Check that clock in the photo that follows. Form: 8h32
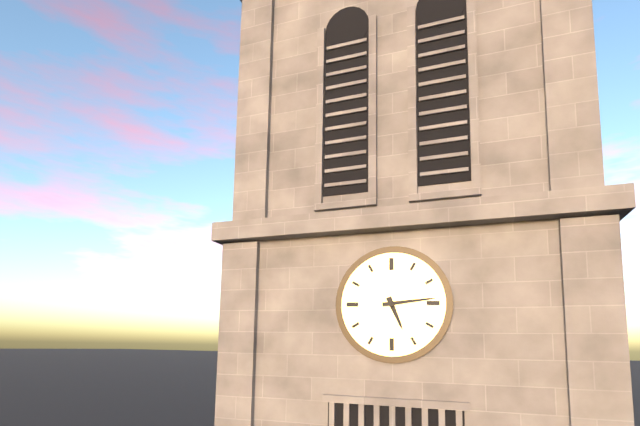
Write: 5h14
